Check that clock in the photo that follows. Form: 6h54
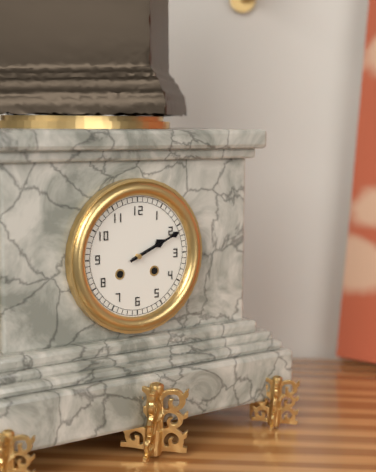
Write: 2h11
